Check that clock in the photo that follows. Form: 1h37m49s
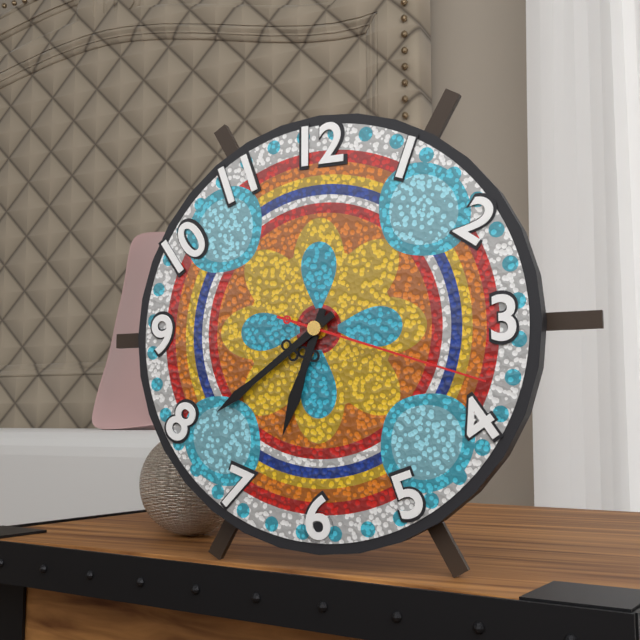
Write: 6h39m18s
